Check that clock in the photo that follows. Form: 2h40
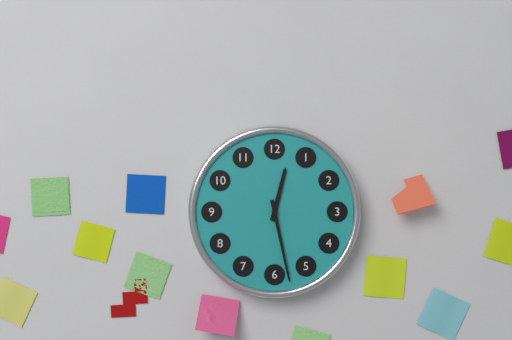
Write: 12h28
